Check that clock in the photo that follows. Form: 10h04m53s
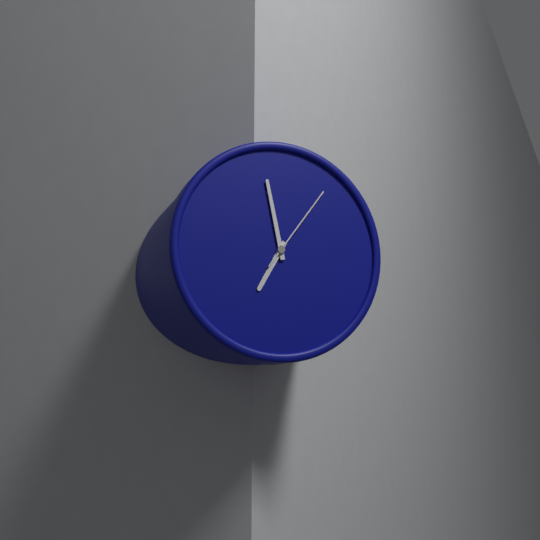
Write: 6h58m06s
